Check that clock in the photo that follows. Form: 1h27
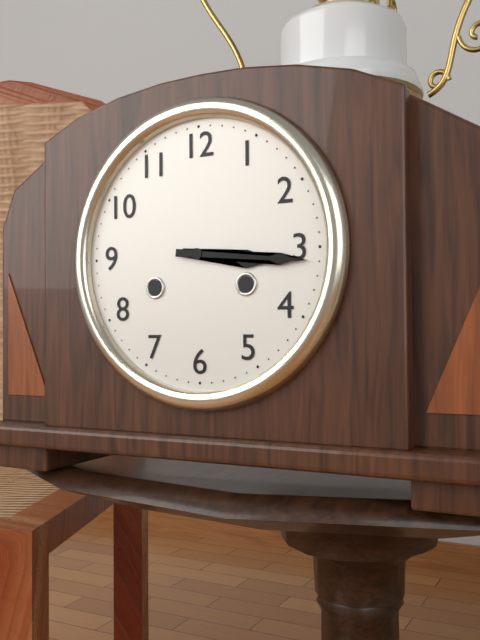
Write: 3h16
